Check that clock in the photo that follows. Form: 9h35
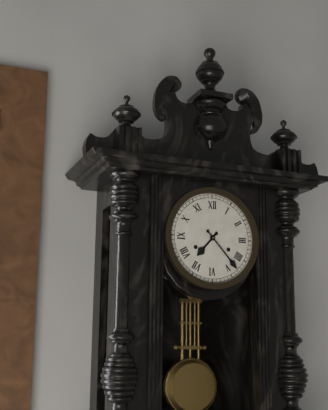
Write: 7h23
